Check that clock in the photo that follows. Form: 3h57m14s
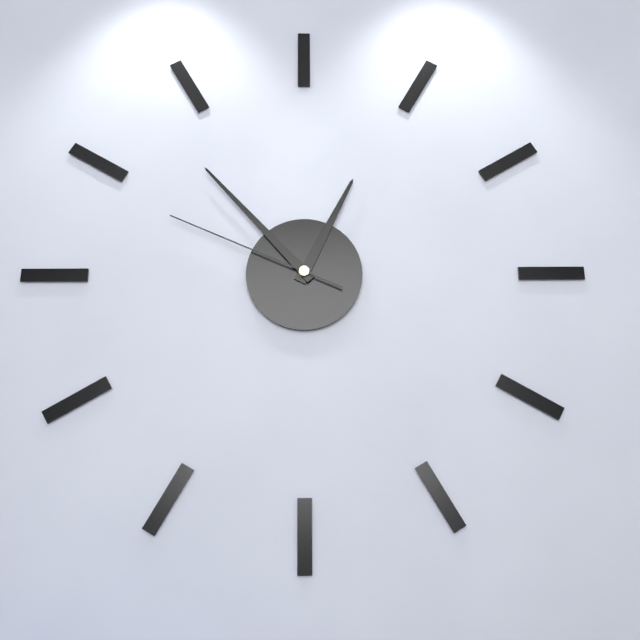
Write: 12h53m49s
